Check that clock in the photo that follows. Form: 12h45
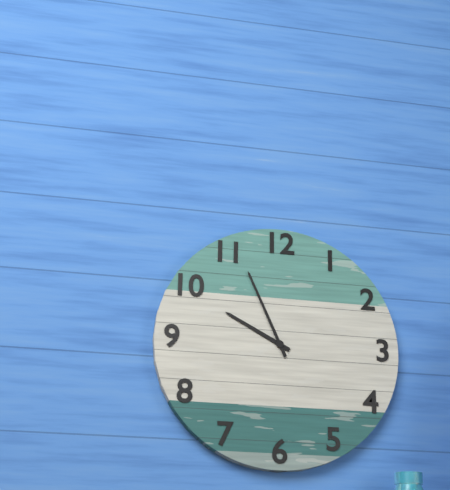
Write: 9h56
